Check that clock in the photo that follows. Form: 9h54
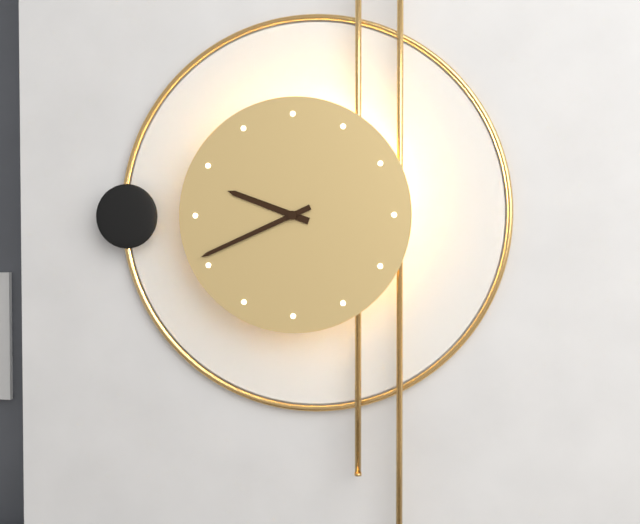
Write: 9h41
